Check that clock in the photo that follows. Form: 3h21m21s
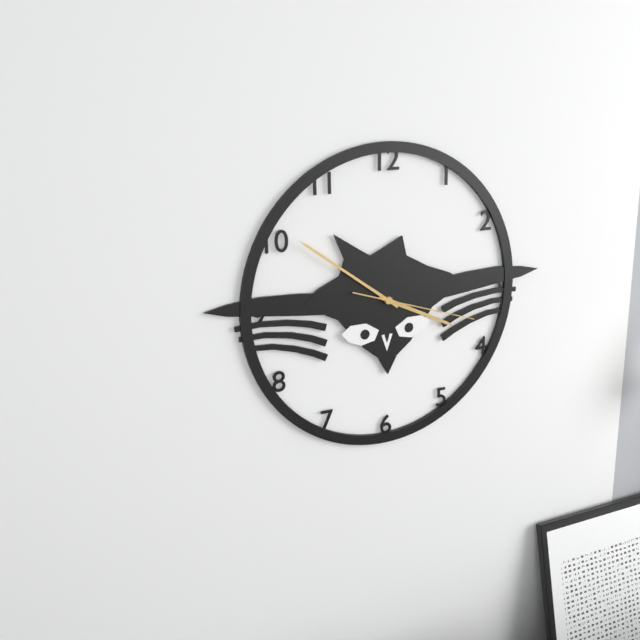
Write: 3h51m18s
